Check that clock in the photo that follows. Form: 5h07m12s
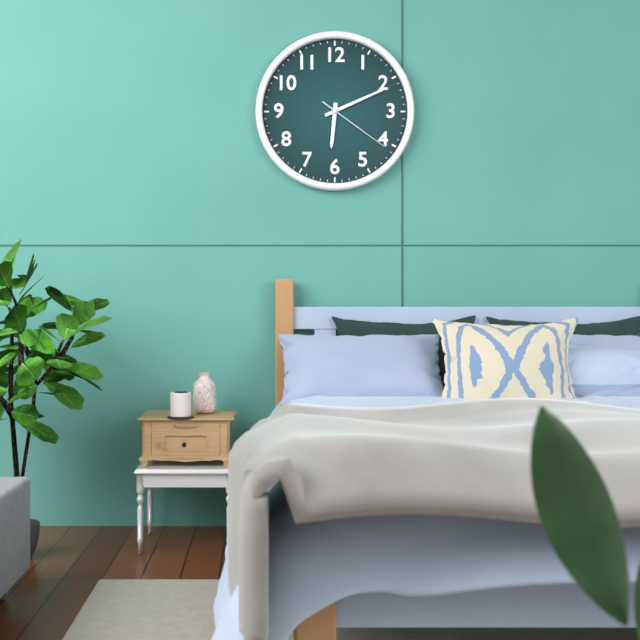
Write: 6h11m21s
